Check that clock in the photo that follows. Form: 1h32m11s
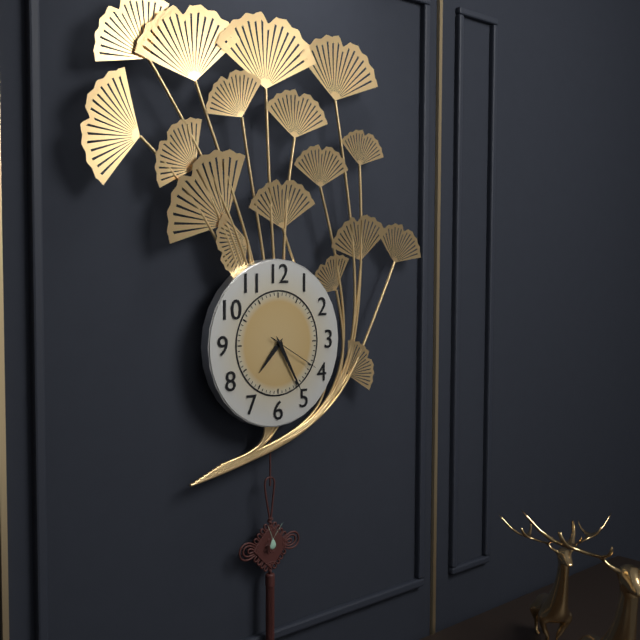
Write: 7h25m20s
